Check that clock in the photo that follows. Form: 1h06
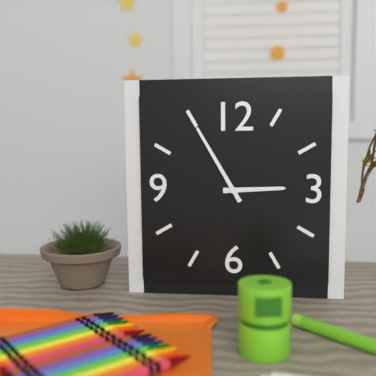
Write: 2h55
